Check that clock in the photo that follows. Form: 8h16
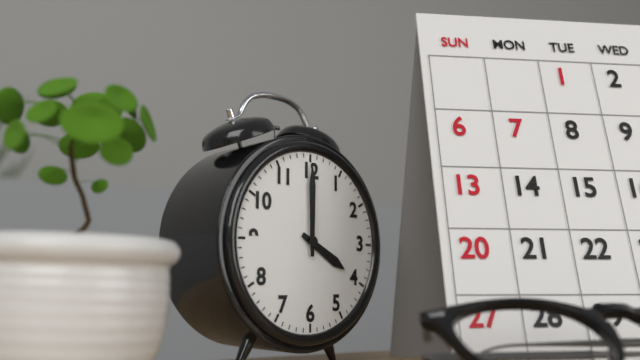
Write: 4h00
